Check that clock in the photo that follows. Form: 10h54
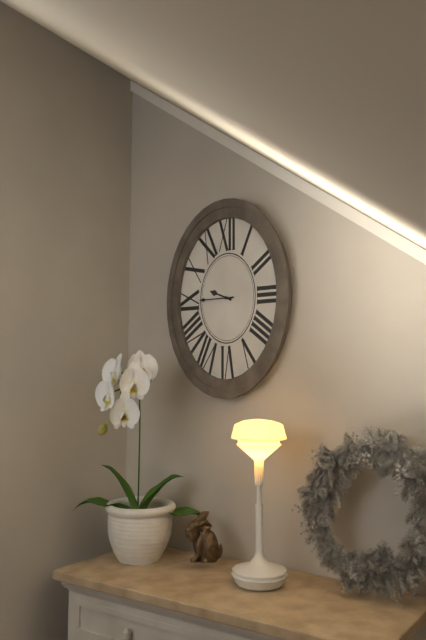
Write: 9h45
